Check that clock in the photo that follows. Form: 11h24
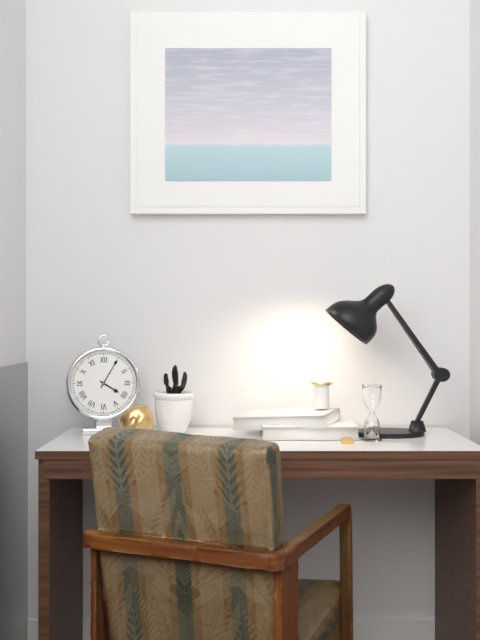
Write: 4h05
